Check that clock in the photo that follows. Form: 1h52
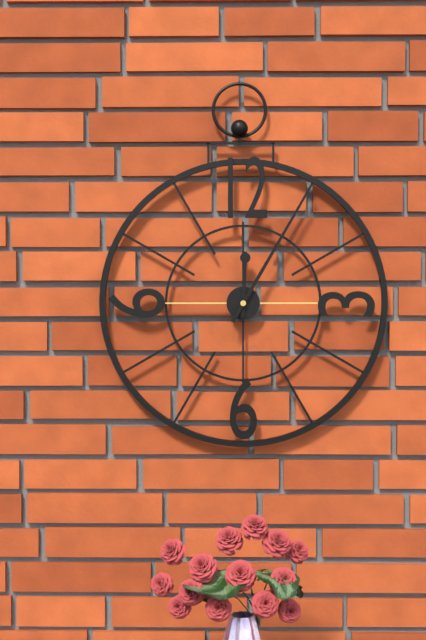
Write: 12h05
